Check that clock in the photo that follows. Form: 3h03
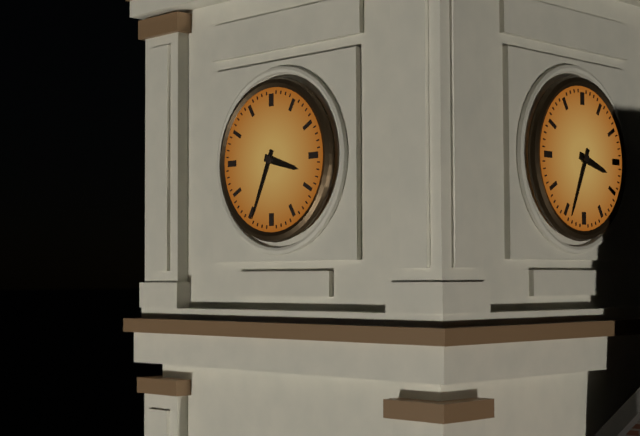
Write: 3h34
